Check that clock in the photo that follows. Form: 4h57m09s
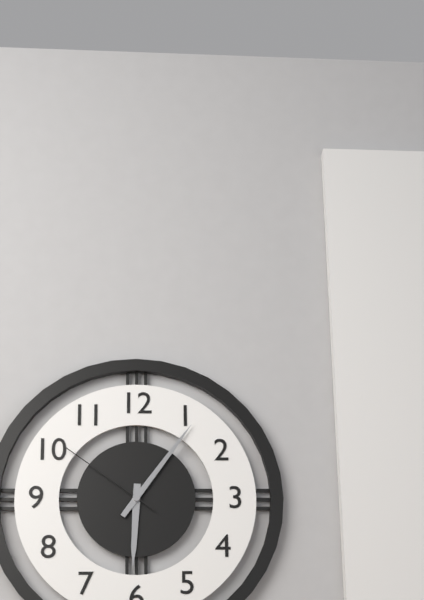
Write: 6h06m51s
